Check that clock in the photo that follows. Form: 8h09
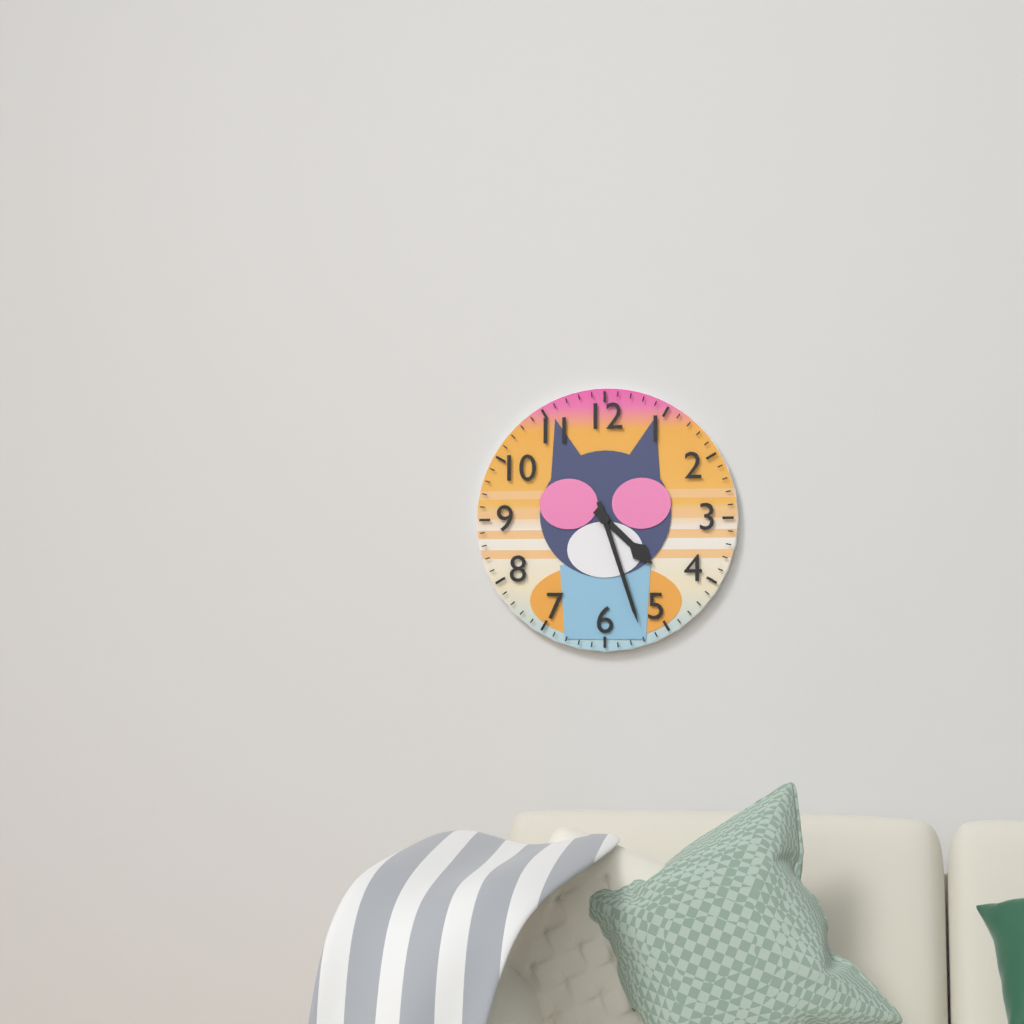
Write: 4h27
